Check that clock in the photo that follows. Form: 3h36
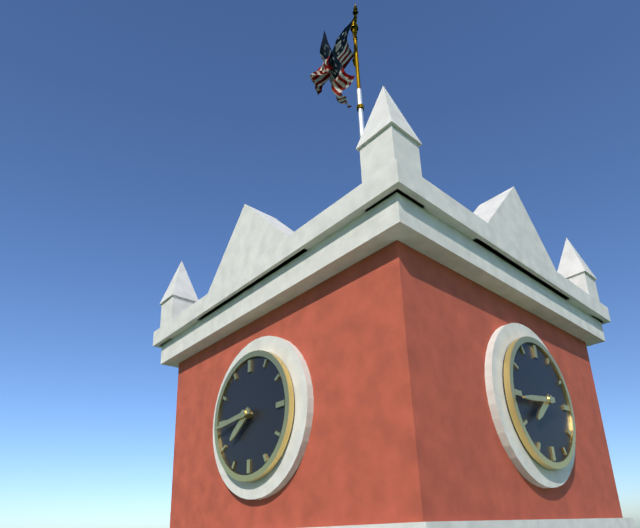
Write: 7h44
